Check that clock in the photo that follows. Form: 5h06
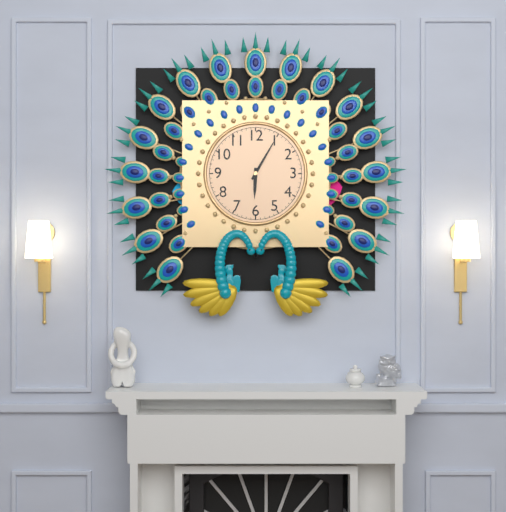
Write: 6h05
